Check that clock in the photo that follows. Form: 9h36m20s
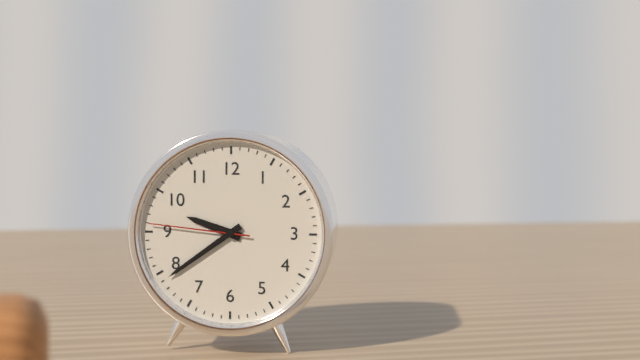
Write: 9h39m46s
